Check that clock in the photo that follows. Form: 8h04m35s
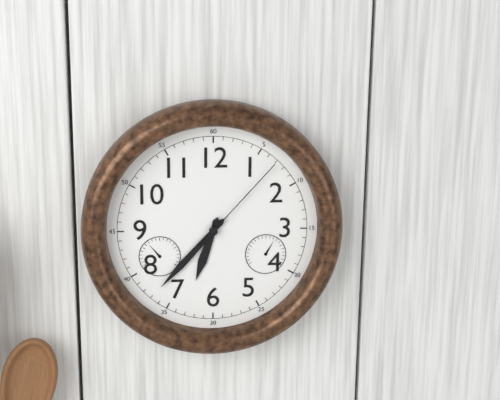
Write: 6h37m07s
